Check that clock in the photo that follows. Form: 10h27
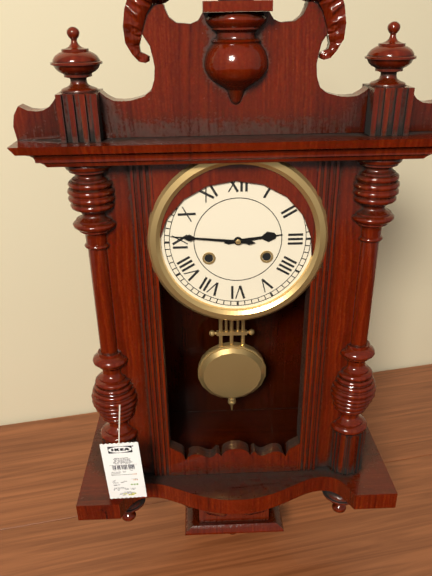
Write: 2h46
